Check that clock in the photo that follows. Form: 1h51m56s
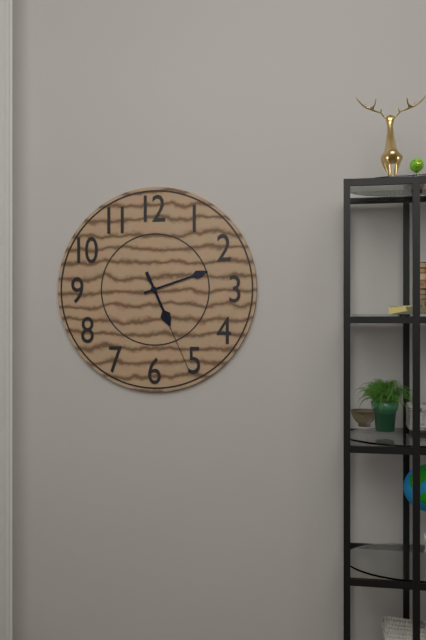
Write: 5h12m26s
